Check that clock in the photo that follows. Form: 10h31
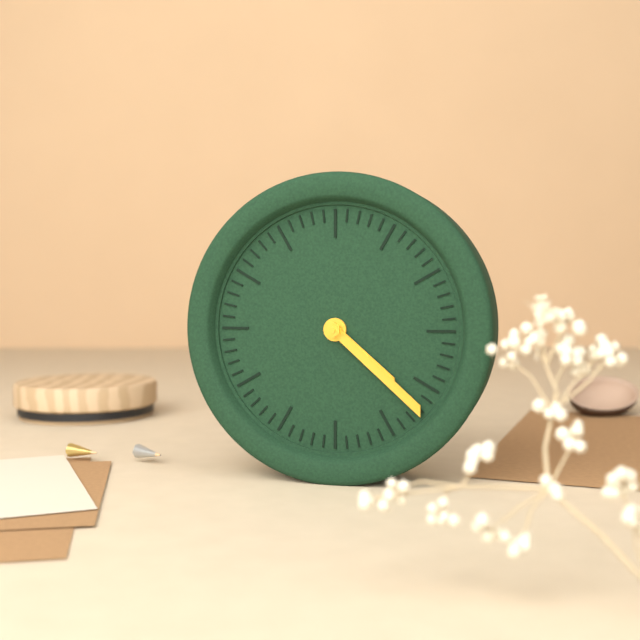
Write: 4h22
